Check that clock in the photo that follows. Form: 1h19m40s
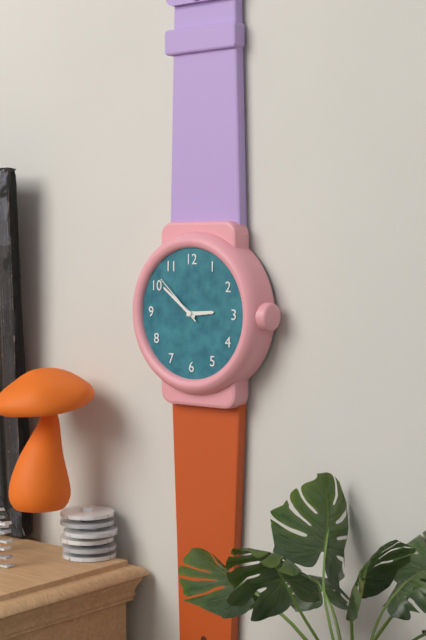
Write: 2h51m52s
